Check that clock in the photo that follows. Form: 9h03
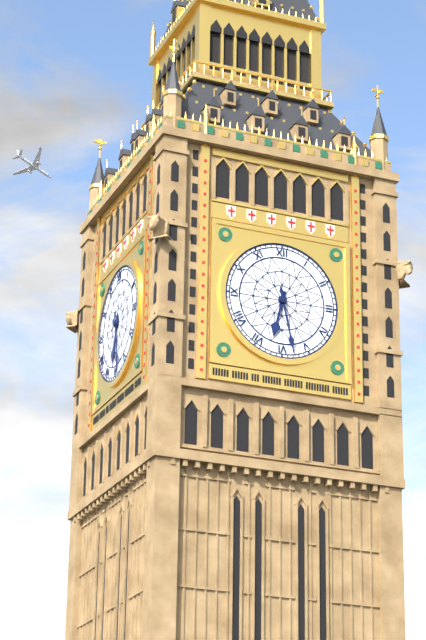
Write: 6h28
